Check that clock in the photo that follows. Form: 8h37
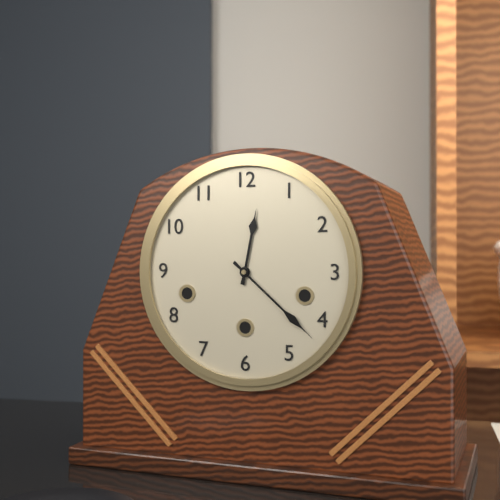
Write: 12h22
